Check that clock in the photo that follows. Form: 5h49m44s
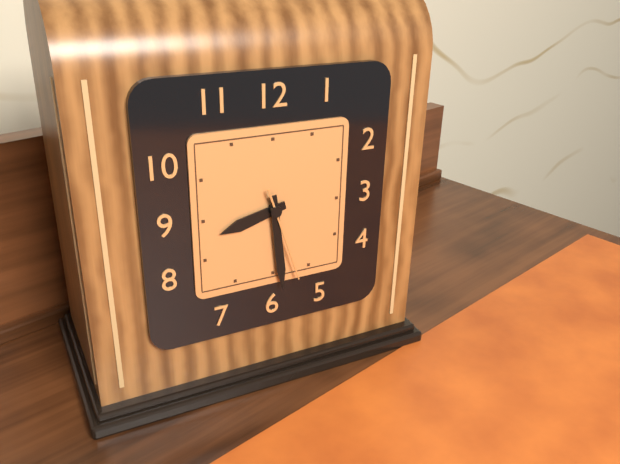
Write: 8h29m27s
